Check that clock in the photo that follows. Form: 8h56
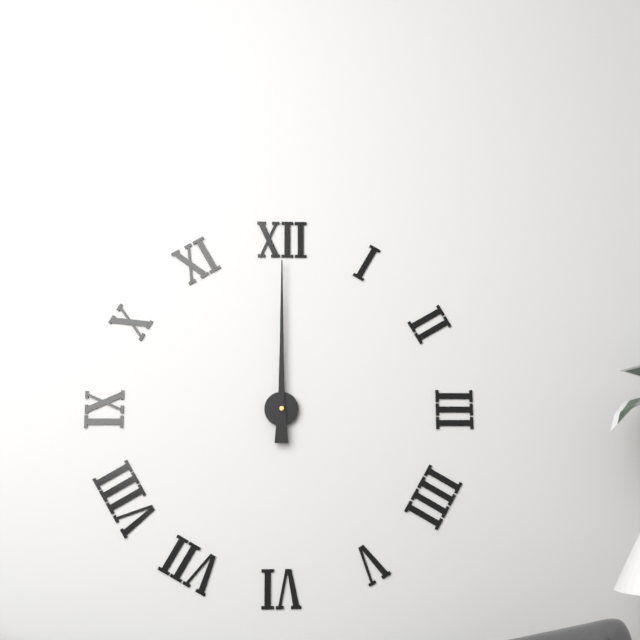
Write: 12h00
